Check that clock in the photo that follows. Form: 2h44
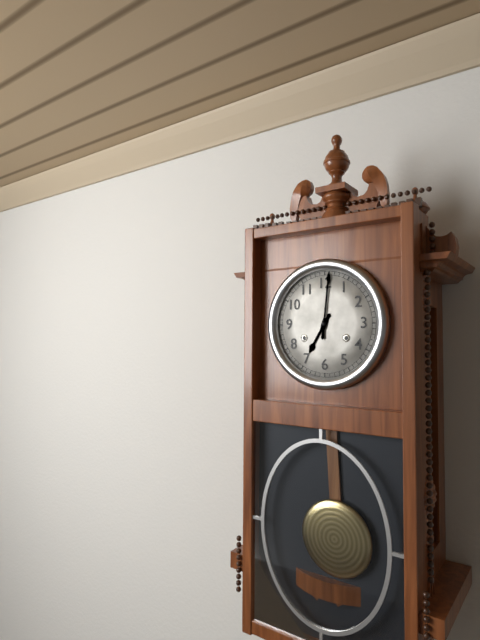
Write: 7h01
